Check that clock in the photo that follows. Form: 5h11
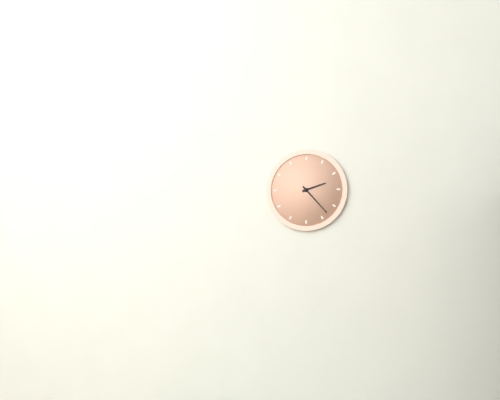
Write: 2h23
